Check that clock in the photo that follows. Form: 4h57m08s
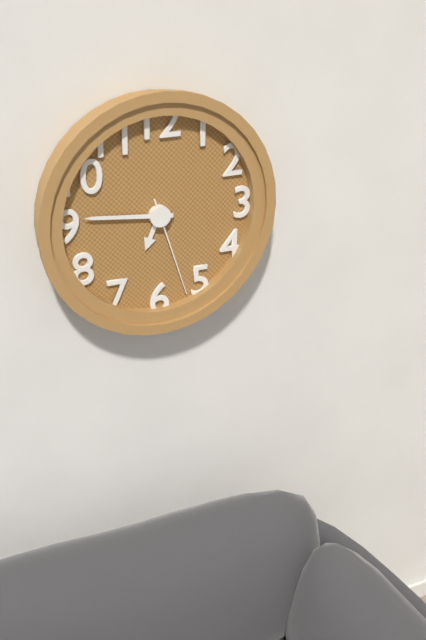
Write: 6h46m27s
